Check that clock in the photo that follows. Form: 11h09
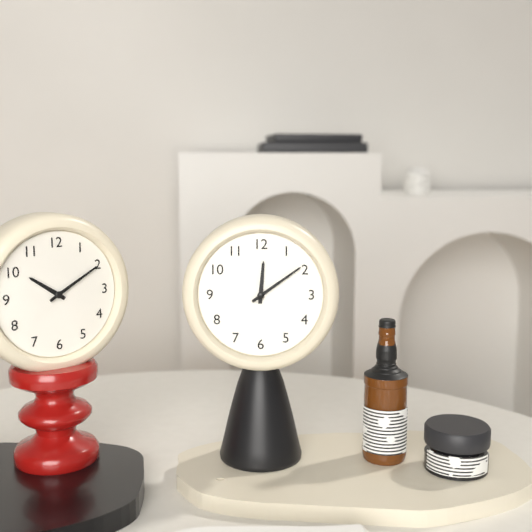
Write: 12h09
